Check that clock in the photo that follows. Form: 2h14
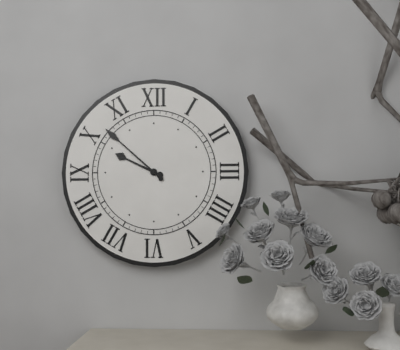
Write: 9h52
